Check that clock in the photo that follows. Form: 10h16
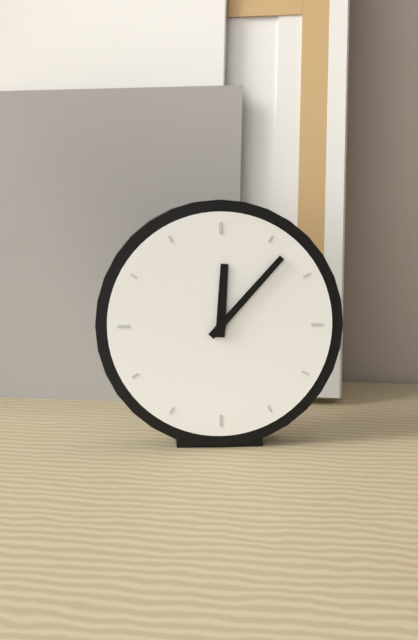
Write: 12h07
